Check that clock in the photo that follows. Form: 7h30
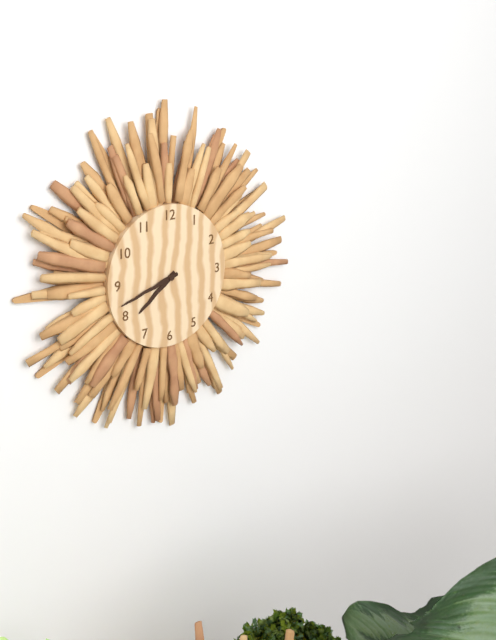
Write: 7h42
